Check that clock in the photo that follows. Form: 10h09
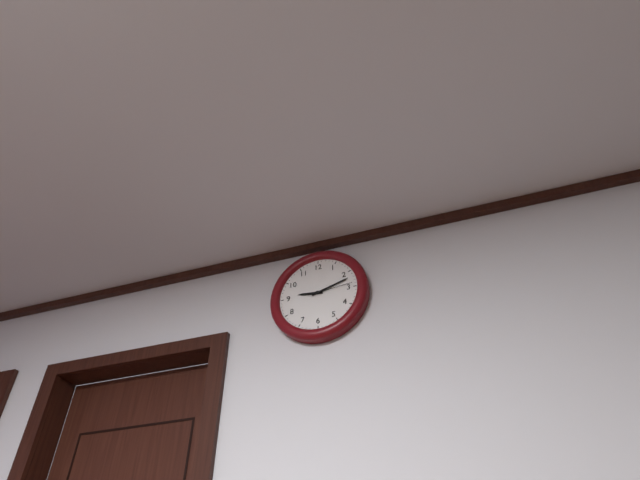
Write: 9h12
